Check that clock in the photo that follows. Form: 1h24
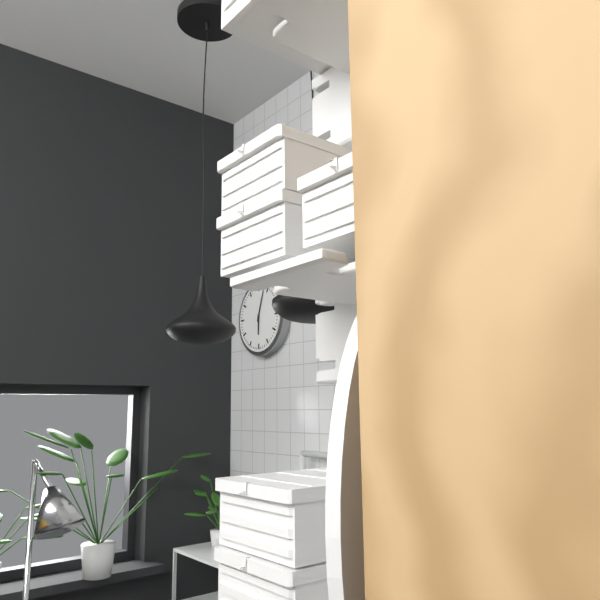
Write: 6h03
